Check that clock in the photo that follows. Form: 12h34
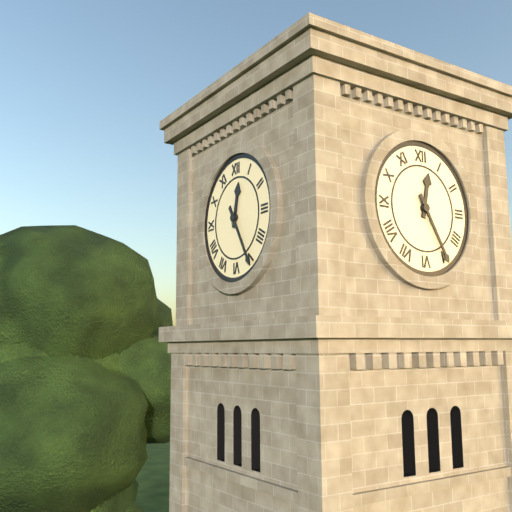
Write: 12h25
